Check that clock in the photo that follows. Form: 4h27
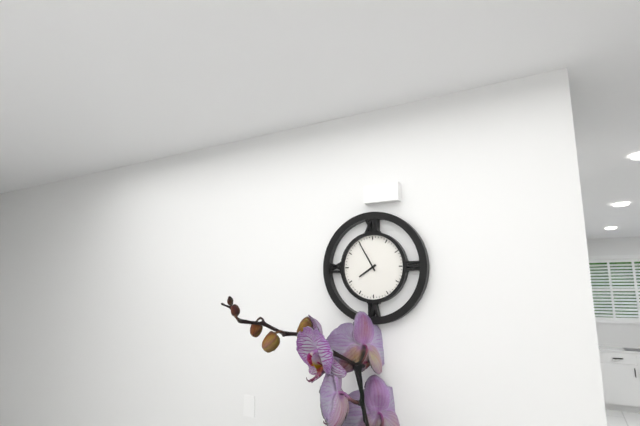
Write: 7h55
